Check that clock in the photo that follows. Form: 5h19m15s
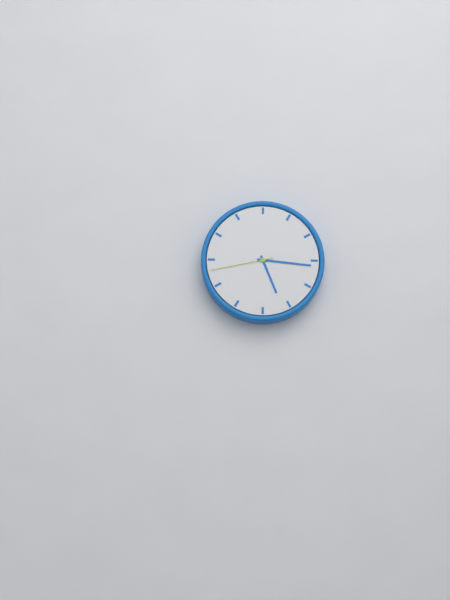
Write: 5h16m43s
